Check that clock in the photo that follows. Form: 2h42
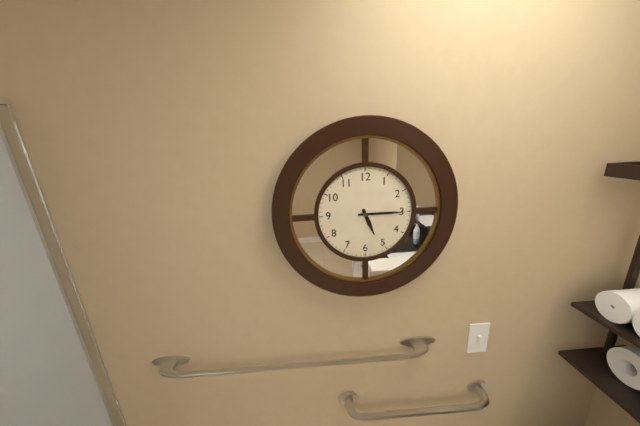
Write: 5h15
